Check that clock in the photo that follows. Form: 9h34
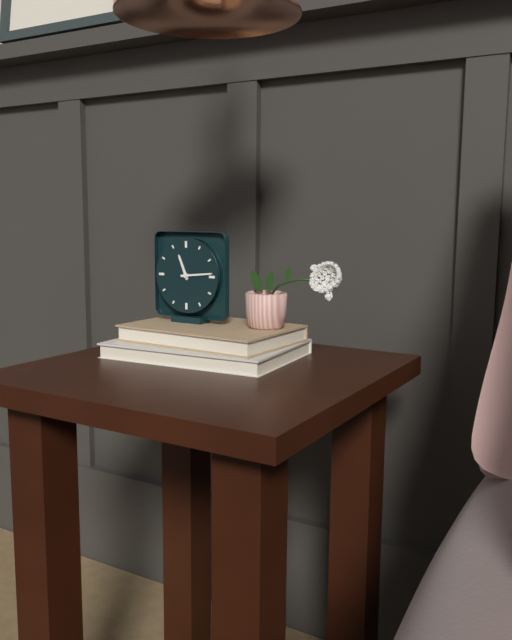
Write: 11h14
